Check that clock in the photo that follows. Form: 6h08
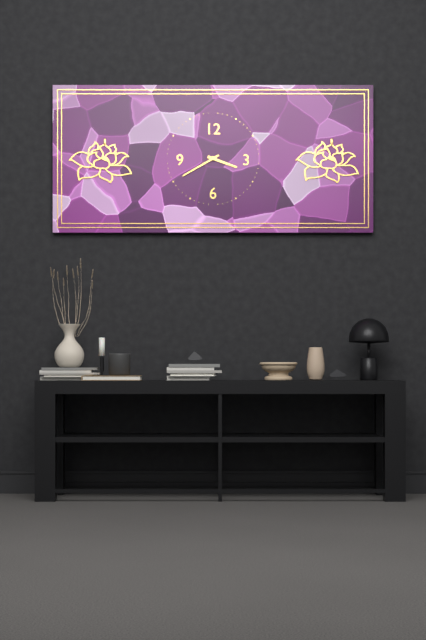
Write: 3h40
